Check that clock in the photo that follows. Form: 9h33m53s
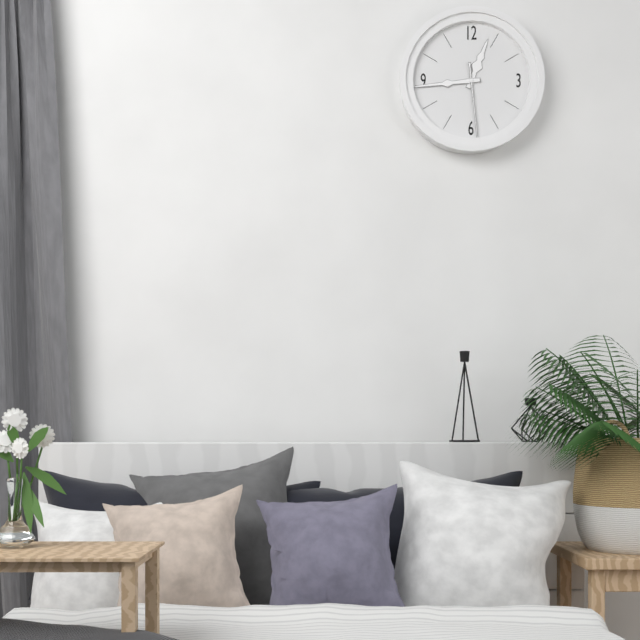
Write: 12h44m29s
